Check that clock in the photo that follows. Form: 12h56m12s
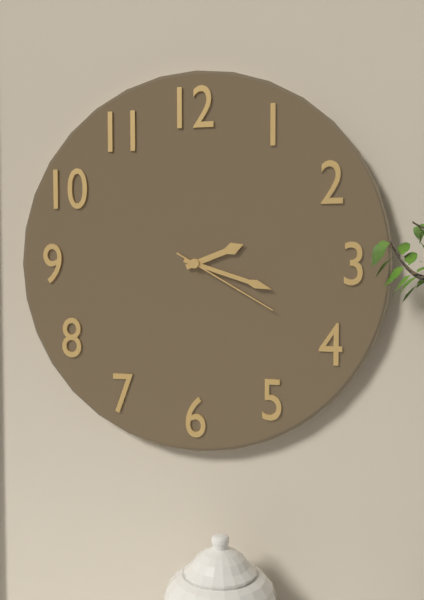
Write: 2h18m20s
